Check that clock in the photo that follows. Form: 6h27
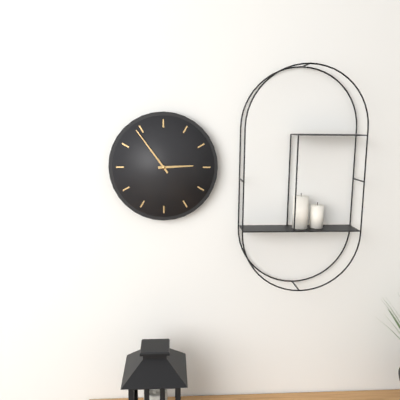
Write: 2h54
